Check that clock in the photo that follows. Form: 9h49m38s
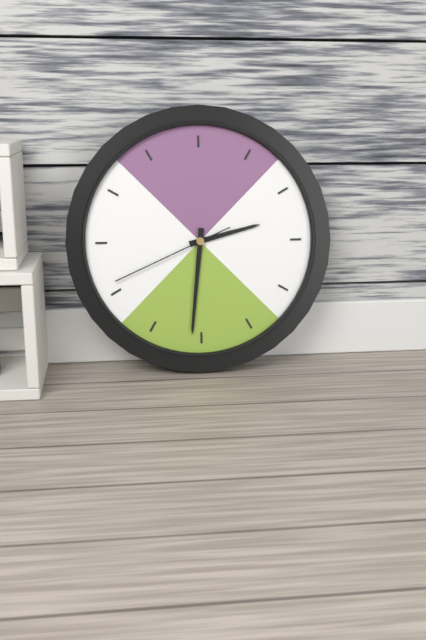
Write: 2h31m41s
